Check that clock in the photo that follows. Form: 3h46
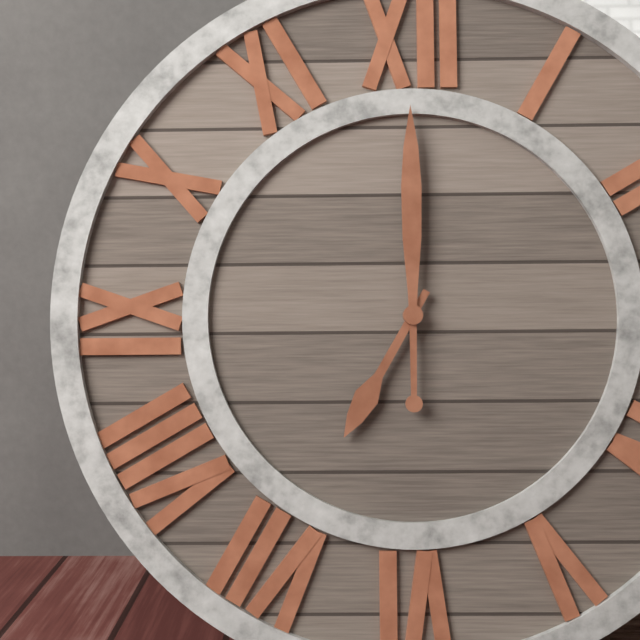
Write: 7h00
